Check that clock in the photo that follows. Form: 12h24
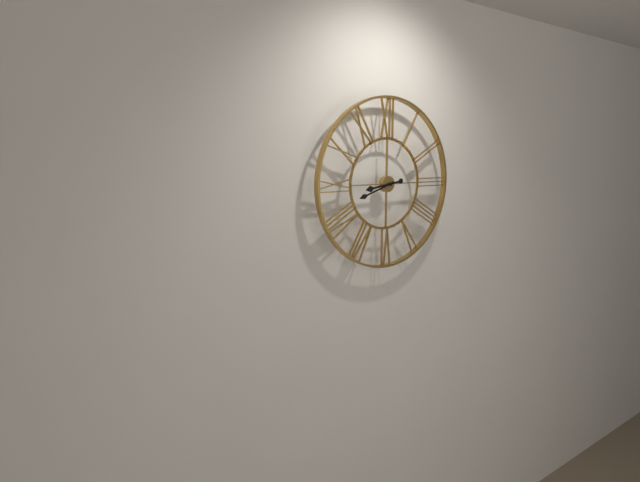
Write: 8h42
